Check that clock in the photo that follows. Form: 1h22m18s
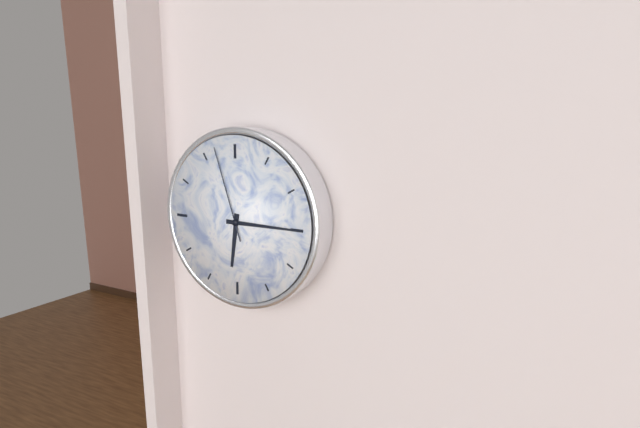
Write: 6h15m57s
